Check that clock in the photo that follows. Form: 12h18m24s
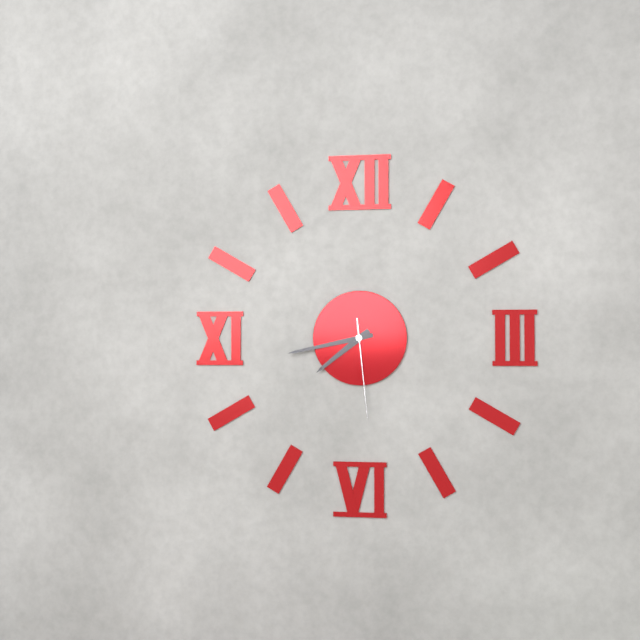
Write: 7h43m29s
